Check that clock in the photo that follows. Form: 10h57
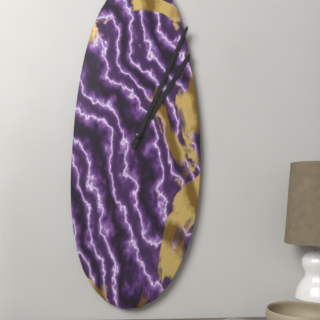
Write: 1h04
